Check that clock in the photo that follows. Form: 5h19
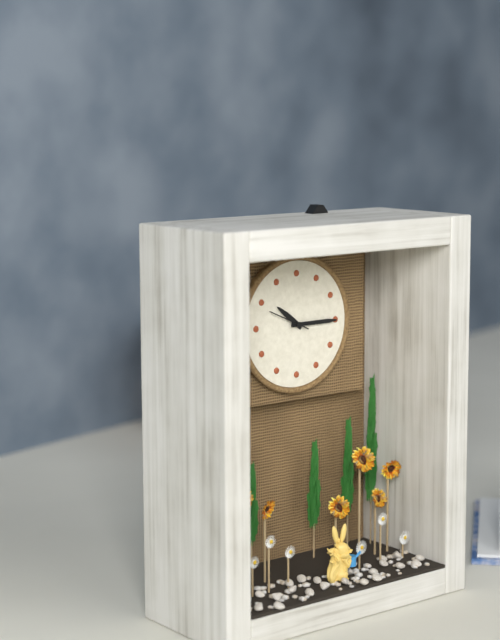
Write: 10h15
